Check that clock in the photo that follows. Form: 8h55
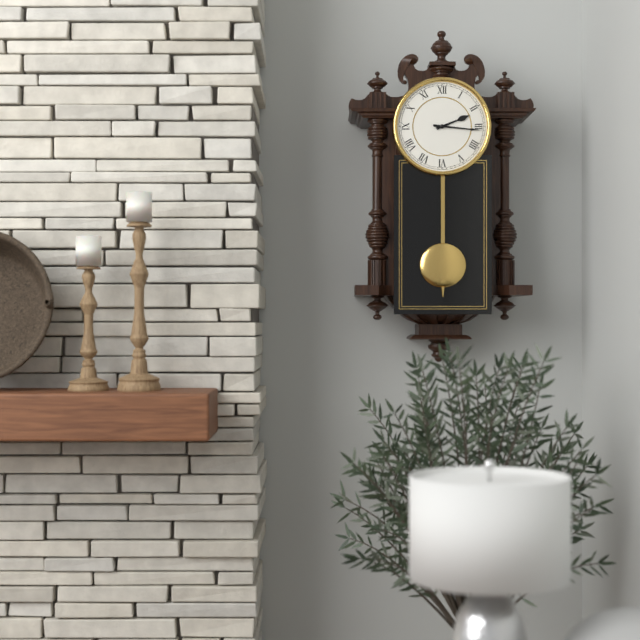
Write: 2h16
